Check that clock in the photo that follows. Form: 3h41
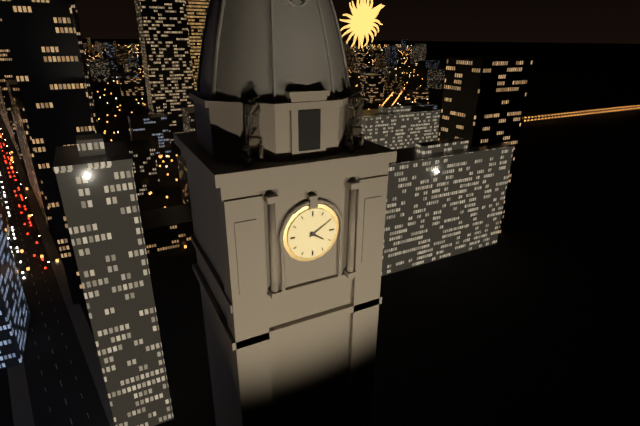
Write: 4h10
